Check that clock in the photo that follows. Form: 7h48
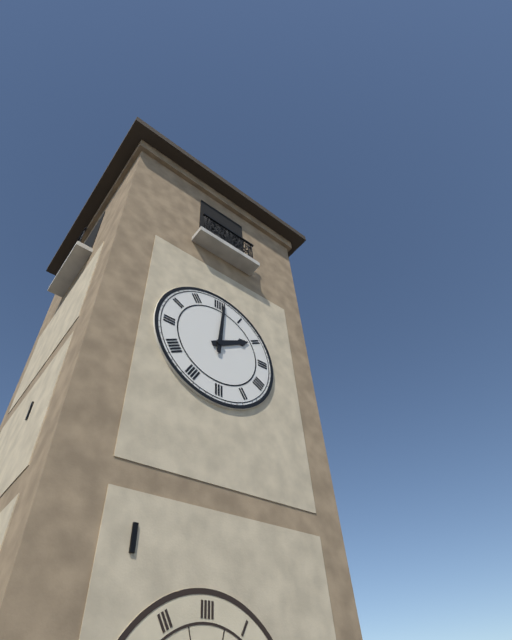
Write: 2h01
